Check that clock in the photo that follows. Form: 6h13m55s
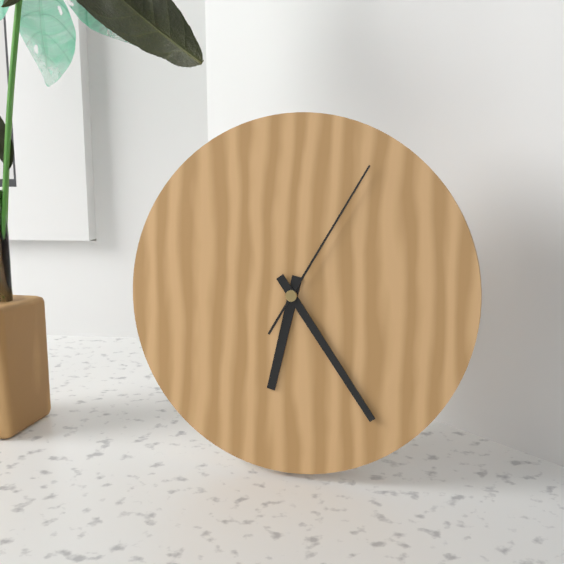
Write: 6h24m05s
